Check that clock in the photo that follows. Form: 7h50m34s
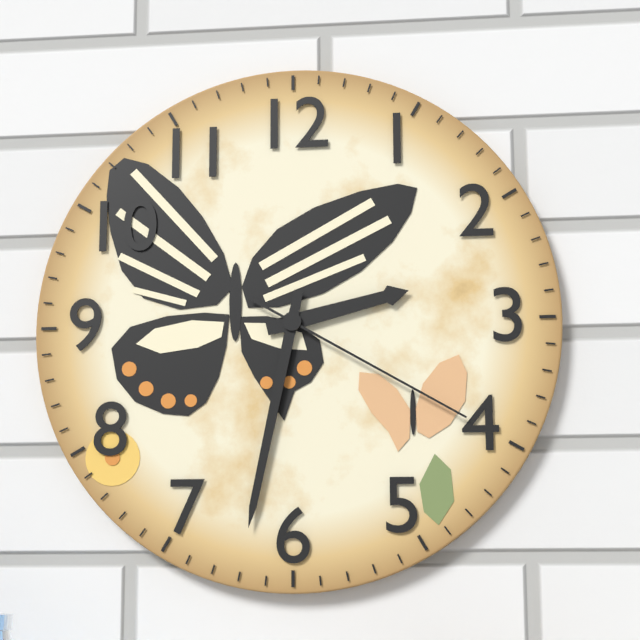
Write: 2h32m20s
